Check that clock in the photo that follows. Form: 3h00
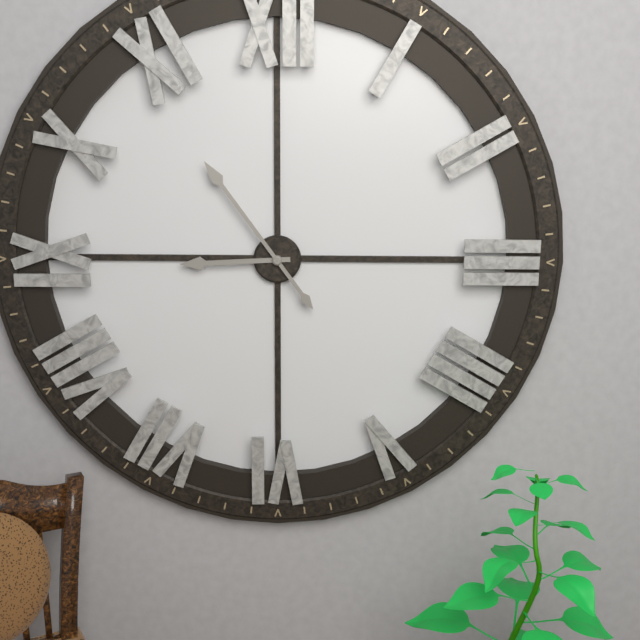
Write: 8h54
